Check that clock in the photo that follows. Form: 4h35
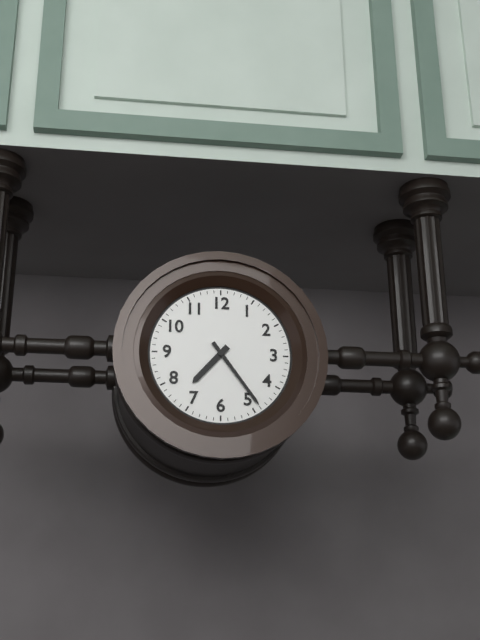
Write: 7h24
